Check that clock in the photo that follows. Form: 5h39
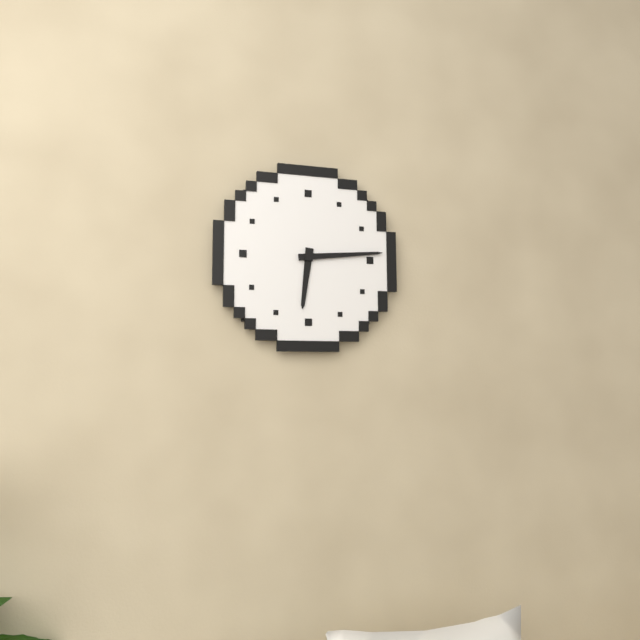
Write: 6h14
